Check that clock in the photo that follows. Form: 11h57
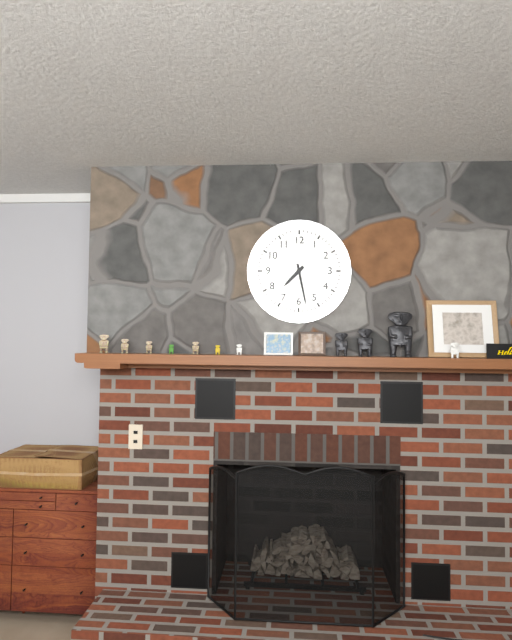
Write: 7h28
